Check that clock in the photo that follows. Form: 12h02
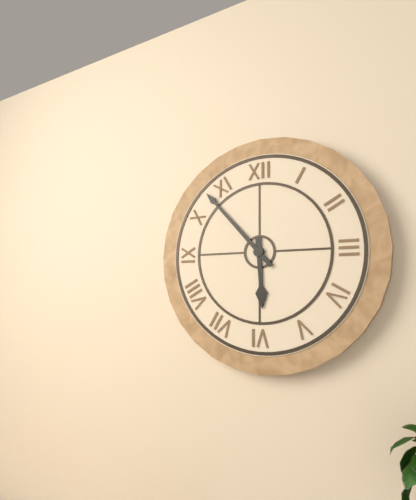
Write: 5h53
